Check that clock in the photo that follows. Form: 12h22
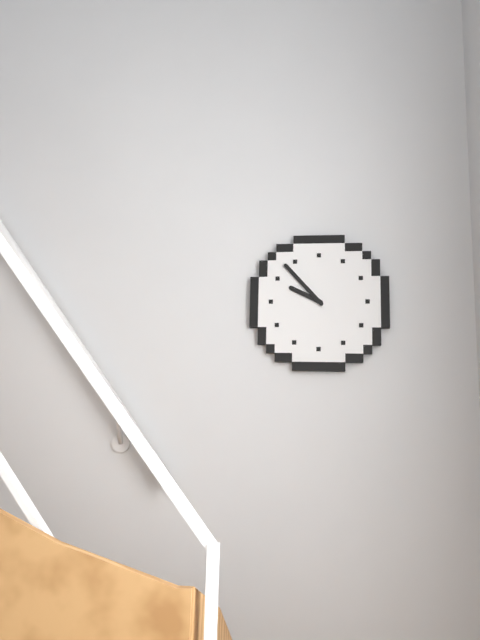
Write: 9h53
